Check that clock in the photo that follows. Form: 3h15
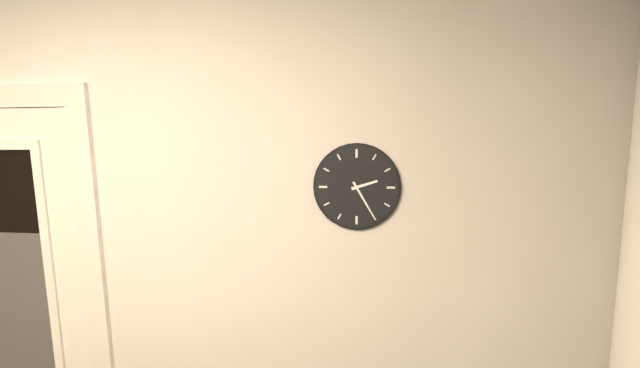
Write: 2h25
